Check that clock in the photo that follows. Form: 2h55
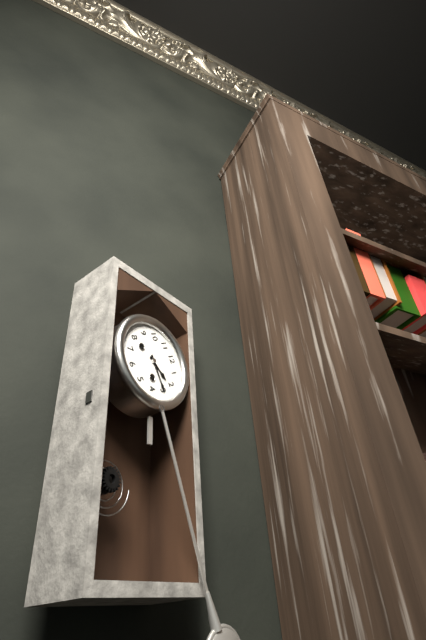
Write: 2h15
